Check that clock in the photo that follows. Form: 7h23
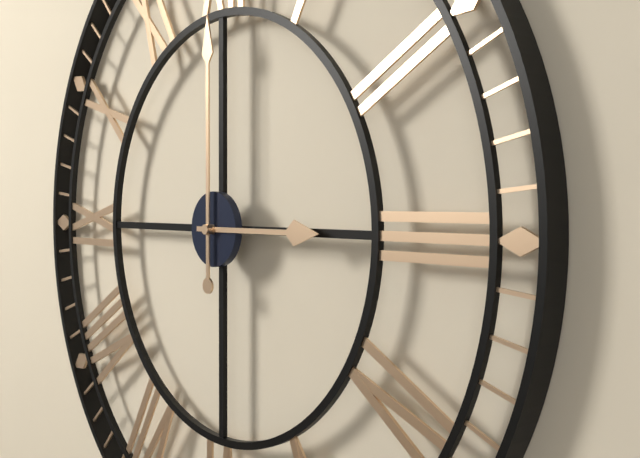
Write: 3h00
